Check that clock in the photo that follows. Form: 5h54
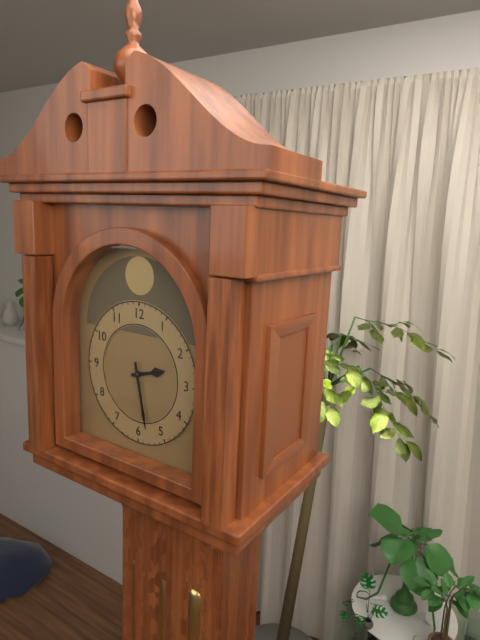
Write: 2h28
